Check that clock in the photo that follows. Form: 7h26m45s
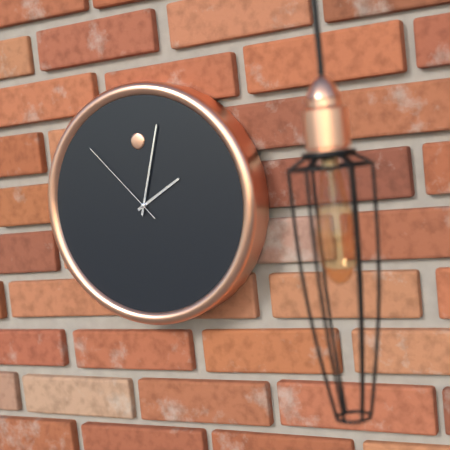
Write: 2h03m53s
